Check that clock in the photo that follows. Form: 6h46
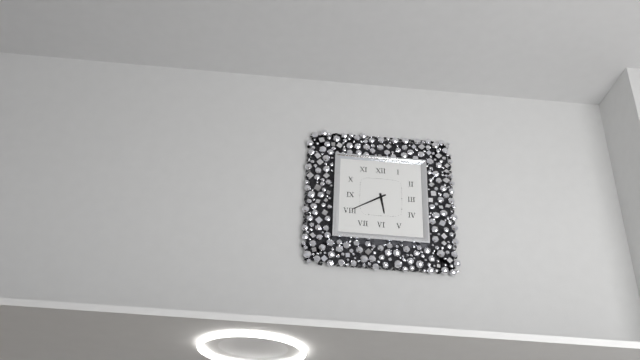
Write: 5h40
